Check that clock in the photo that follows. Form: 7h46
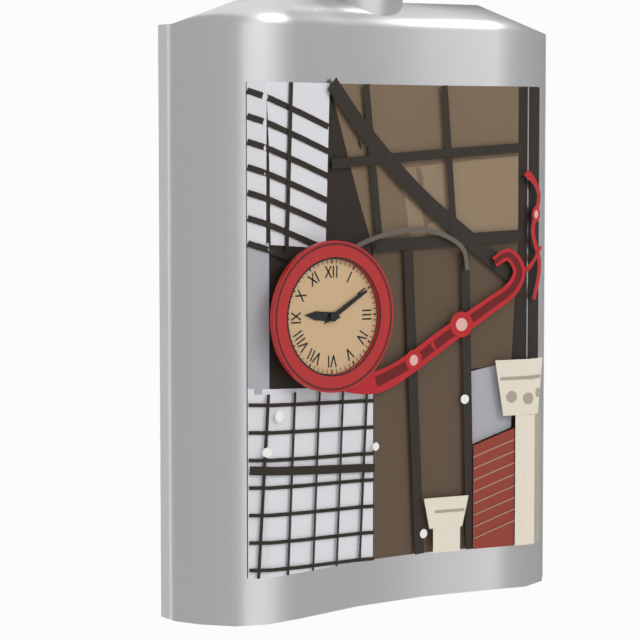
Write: 9h10
